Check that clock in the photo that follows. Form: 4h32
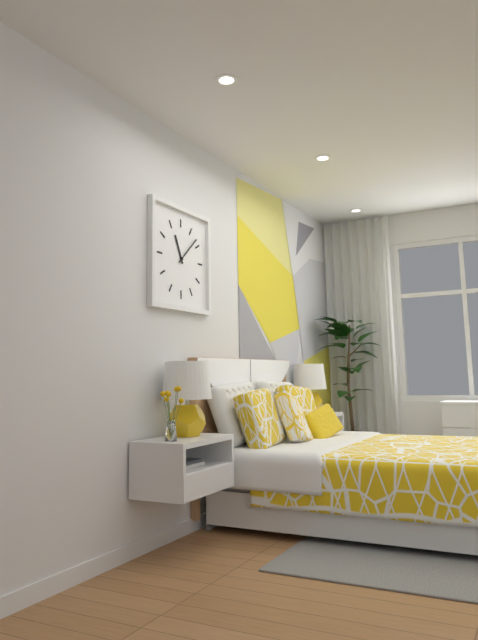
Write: 11h08
